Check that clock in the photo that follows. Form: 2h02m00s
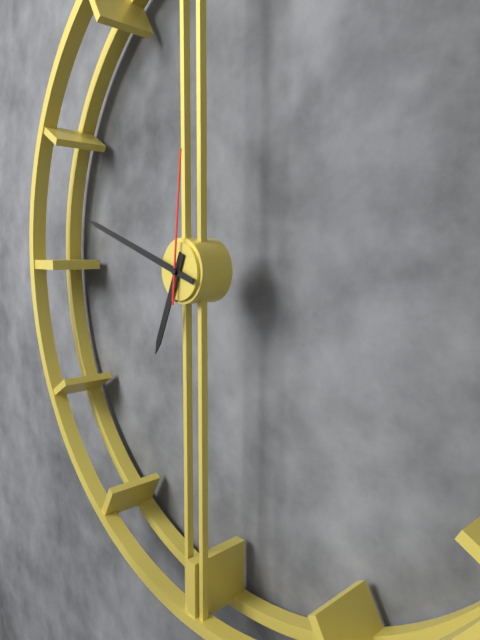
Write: 6h48m01s
